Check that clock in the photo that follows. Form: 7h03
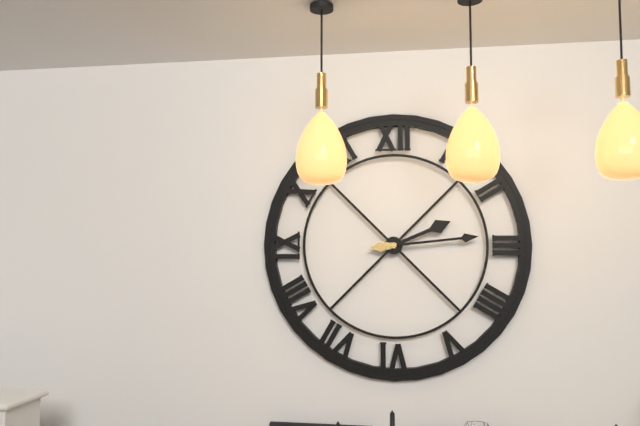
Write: 2h14
